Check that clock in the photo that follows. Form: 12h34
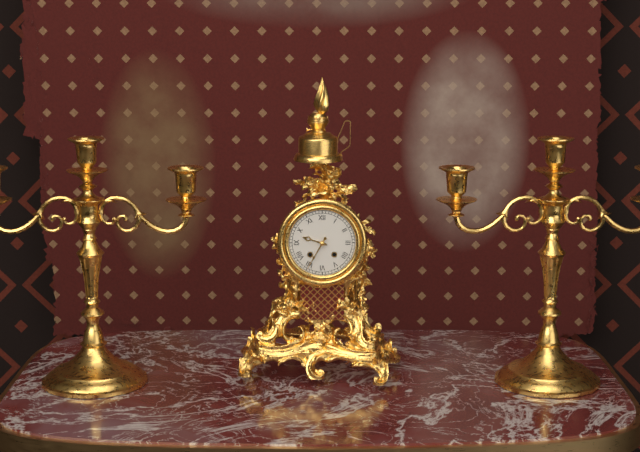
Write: 9h35
